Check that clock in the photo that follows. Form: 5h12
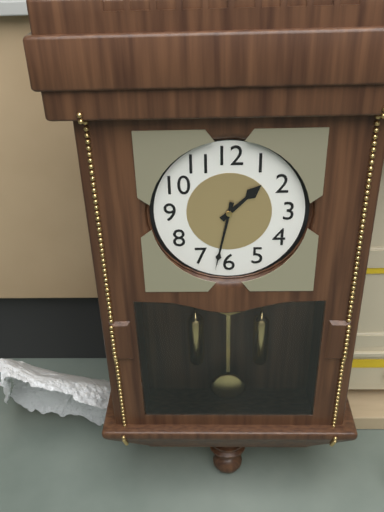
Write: 1h32
